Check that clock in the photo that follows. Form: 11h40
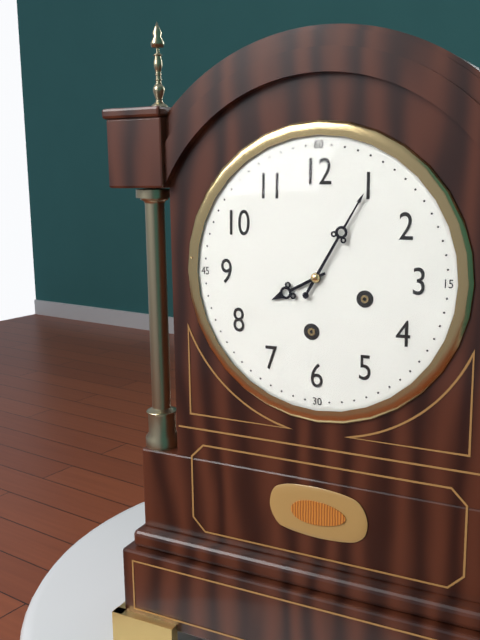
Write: 8h05
